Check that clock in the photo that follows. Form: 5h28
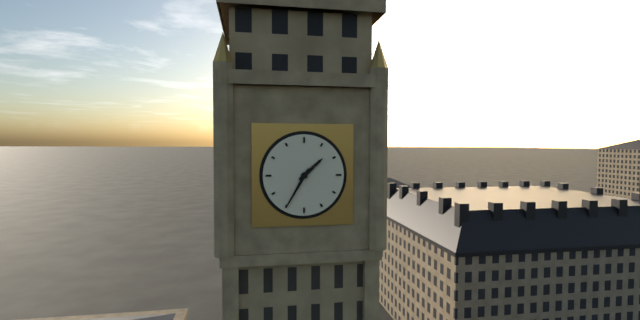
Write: 1h35
